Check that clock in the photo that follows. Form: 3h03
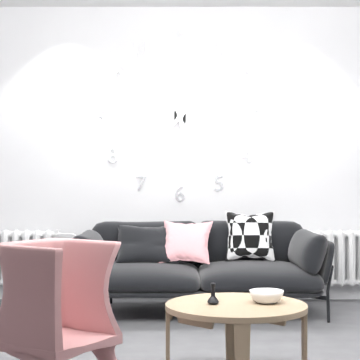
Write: 5h37
